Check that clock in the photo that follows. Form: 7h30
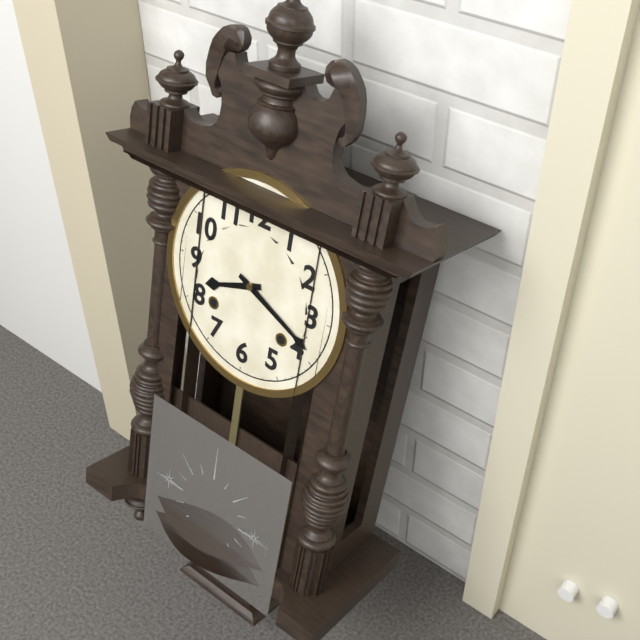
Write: 8h19
